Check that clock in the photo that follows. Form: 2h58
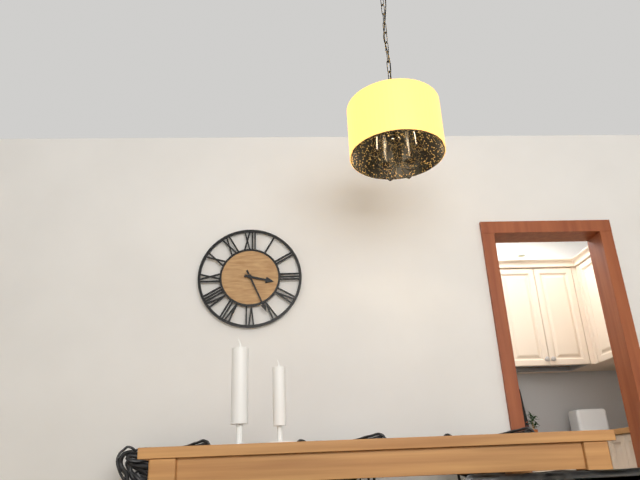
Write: 3h26
